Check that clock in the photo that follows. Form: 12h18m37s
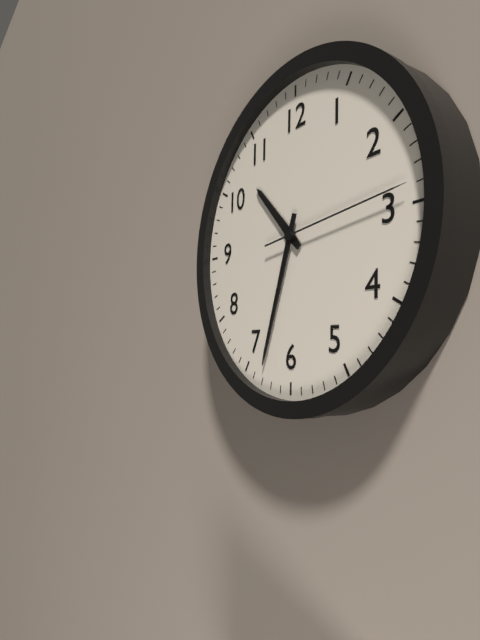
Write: 10h33m14s
